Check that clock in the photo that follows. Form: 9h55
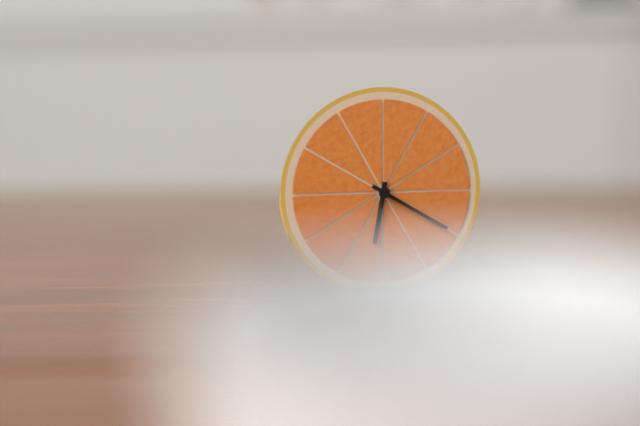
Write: 6h20
